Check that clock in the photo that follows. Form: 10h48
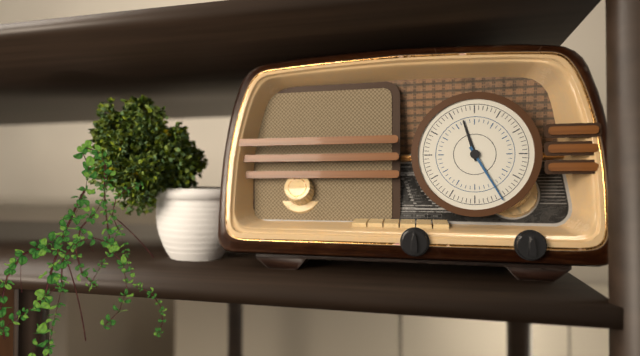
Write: 11h25
